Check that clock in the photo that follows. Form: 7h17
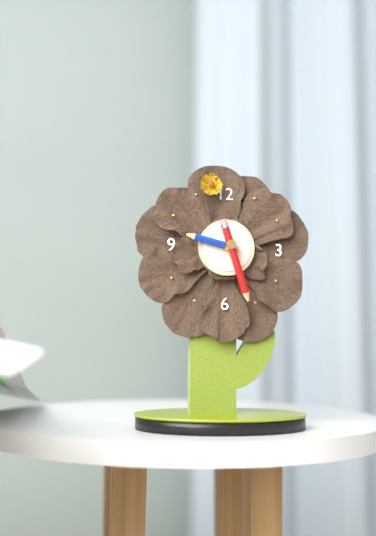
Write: 9h27
